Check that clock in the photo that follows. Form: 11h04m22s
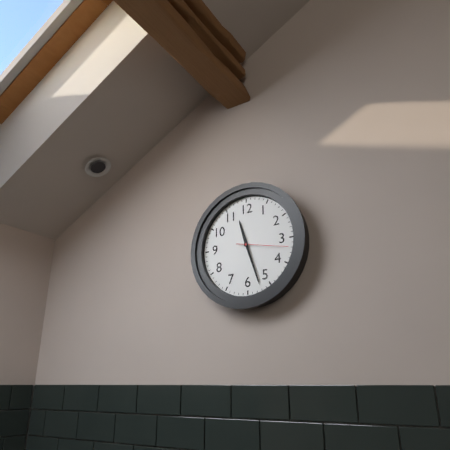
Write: 11h27m17s
